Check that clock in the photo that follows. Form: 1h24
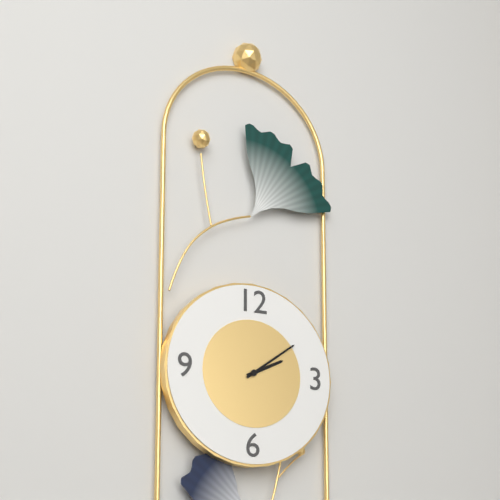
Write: 2h09
